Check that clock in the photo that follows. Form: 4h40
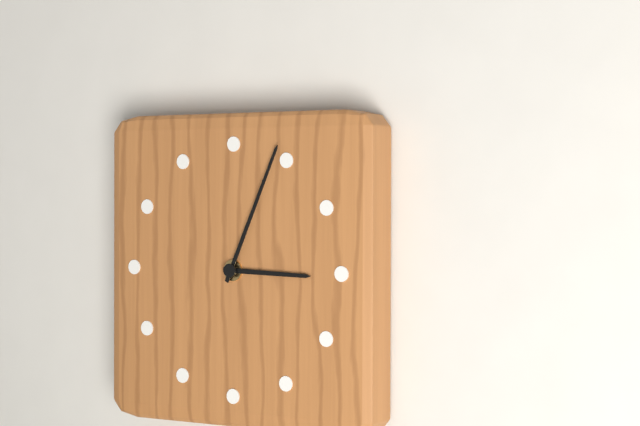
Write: 3h04
